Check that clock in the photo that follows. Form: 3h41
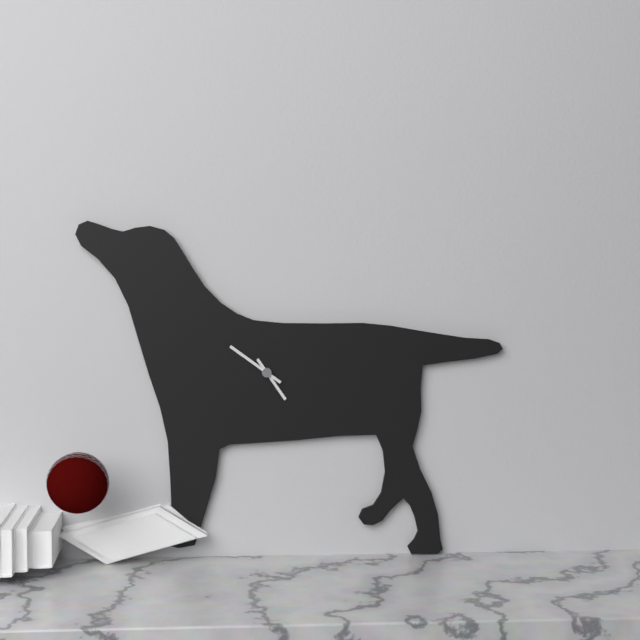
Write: 4h51
